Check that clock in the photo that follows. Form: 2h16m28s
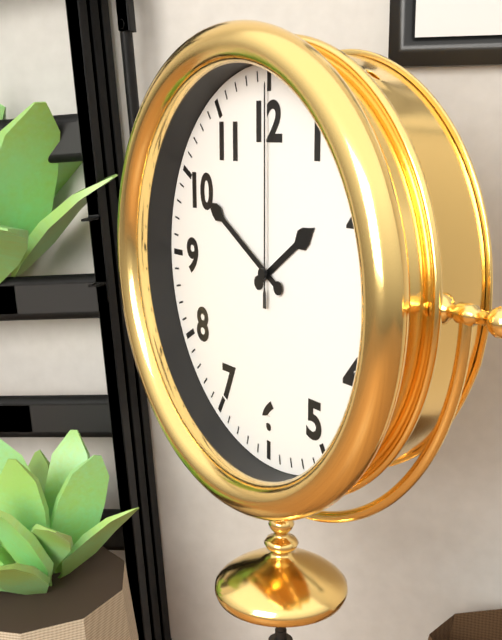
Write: 1h50m00s
